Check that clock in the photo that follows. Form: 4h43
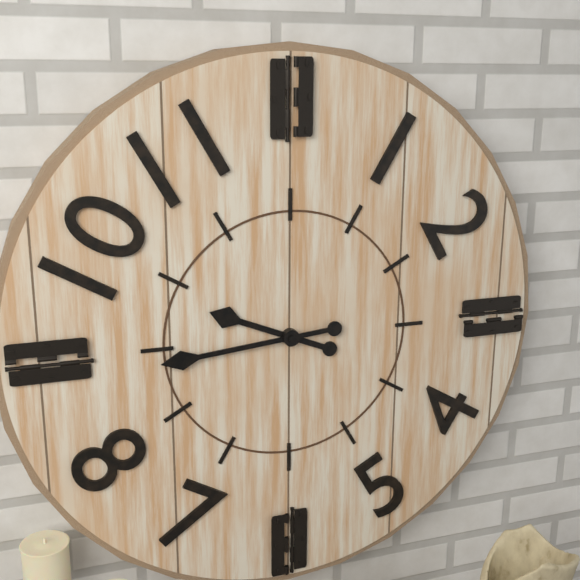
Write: 9h44
